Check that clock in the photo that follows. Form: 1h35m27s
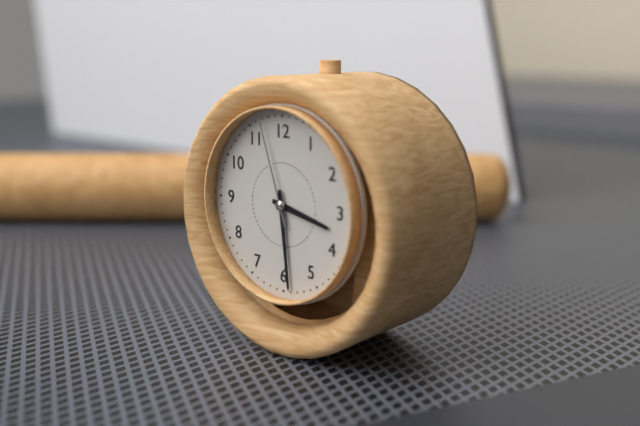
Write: 3h29m57s
